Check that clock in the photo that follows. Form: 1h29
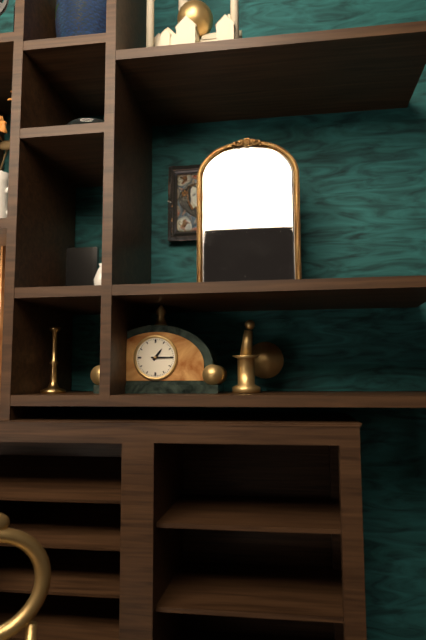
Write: 1h15
